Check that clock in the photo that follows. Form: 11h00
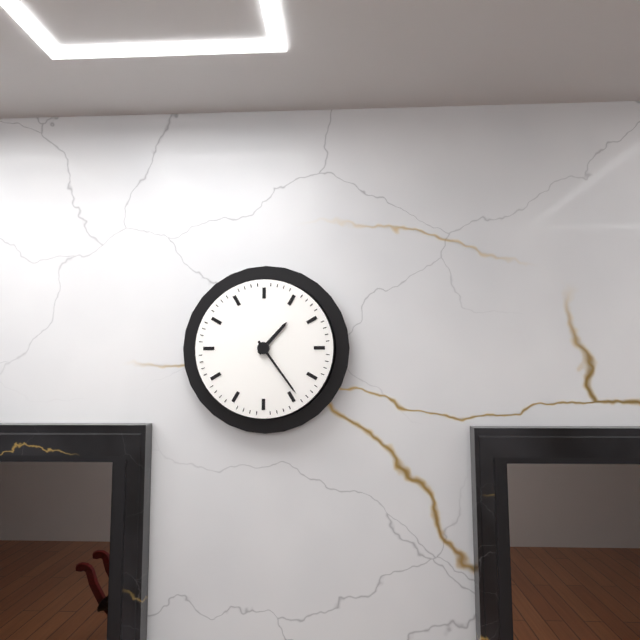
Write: 1h24
